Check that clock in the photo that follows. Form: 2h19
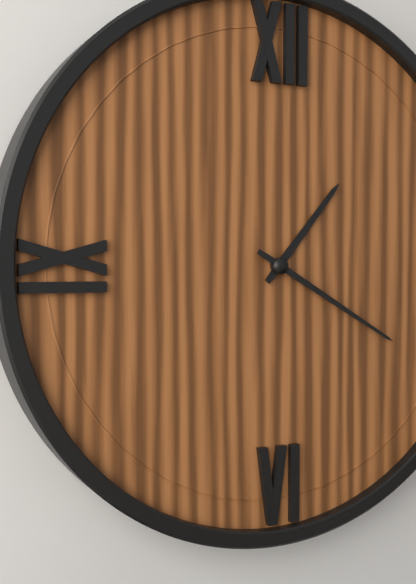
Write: 1h20
